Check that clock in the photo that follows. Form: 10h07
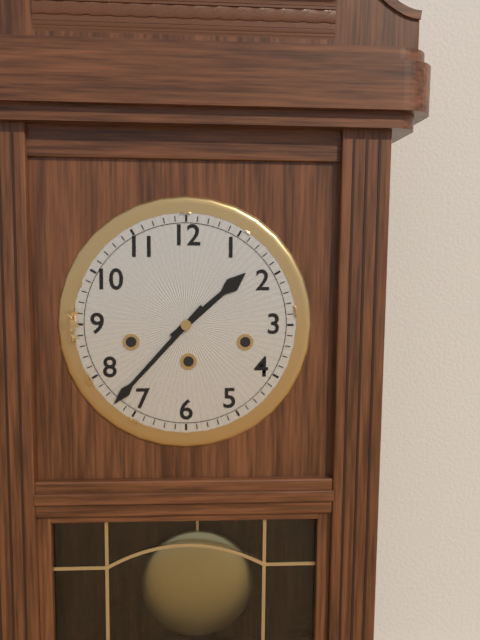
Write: 1h37
